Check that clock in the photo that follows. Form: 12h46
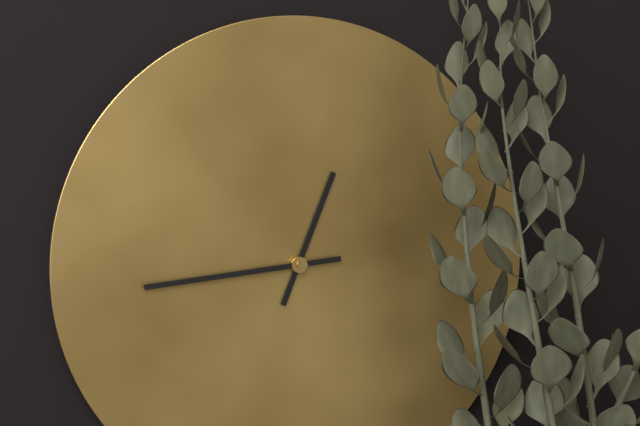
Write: 12h44
